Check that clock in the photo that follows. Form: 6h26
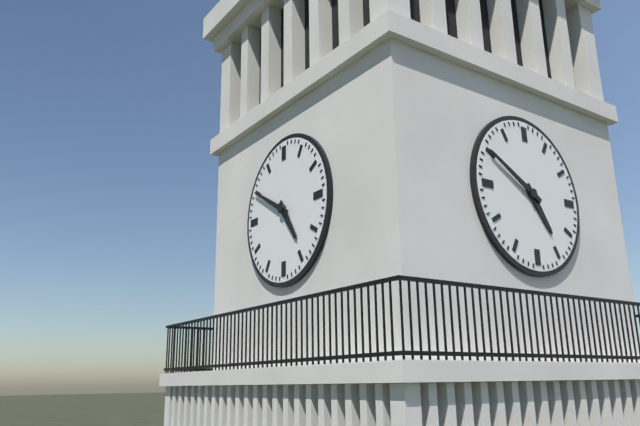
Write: 4h50
